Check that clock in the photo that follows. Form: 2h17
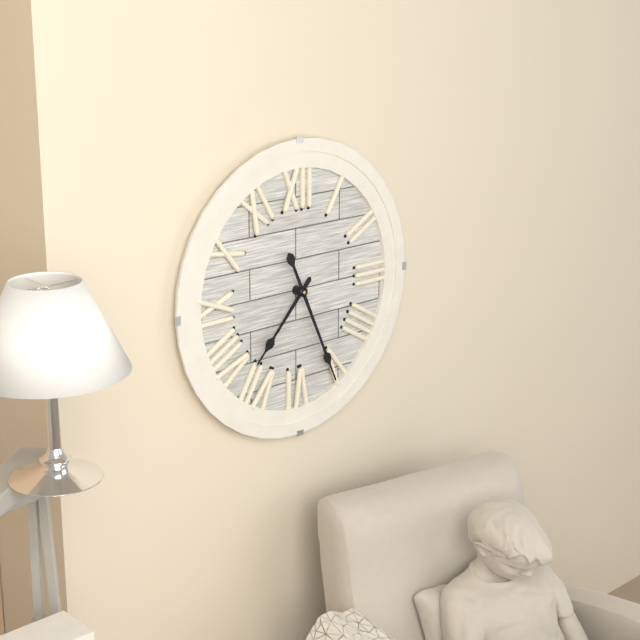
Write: 7h26
